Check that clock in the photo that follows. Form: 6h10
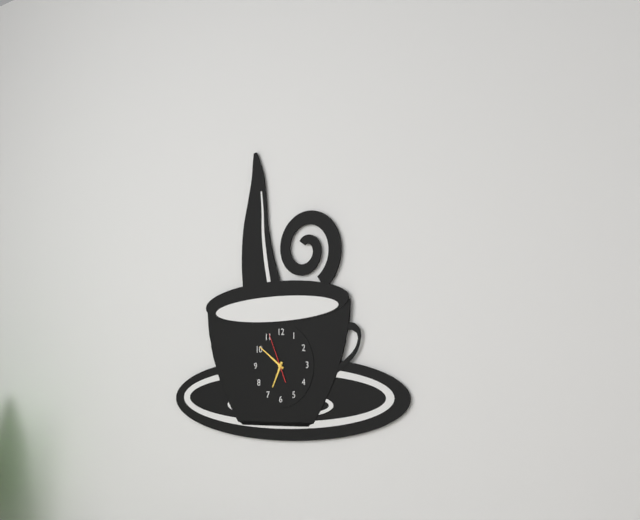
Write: 6h51
